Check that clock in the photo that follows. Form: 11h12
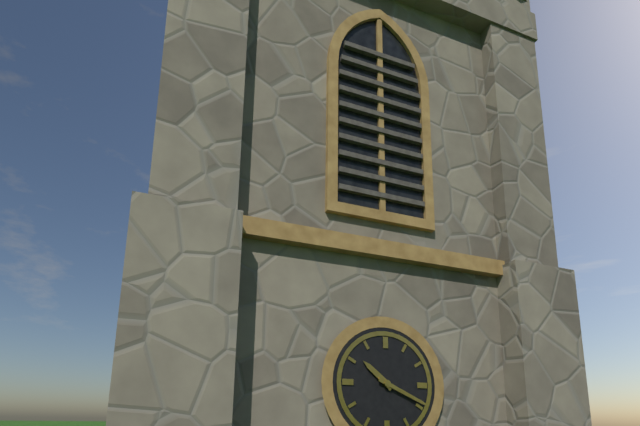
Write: 10h19
